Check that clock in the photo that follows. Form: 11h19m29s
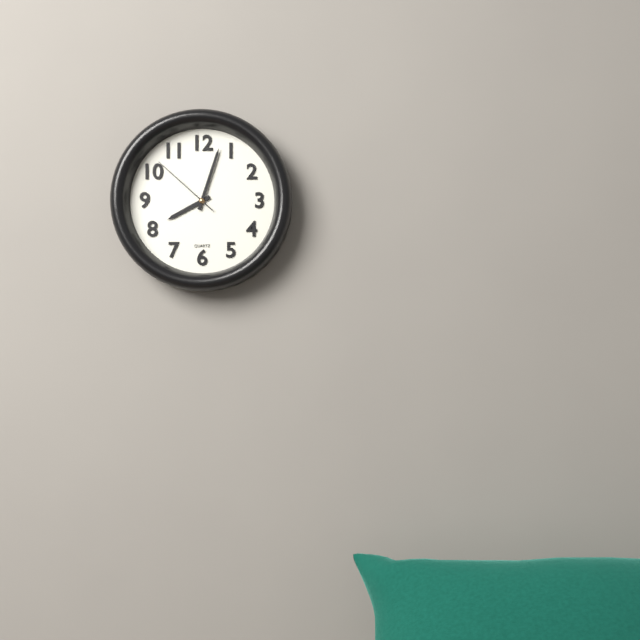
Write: 8h03m52s
